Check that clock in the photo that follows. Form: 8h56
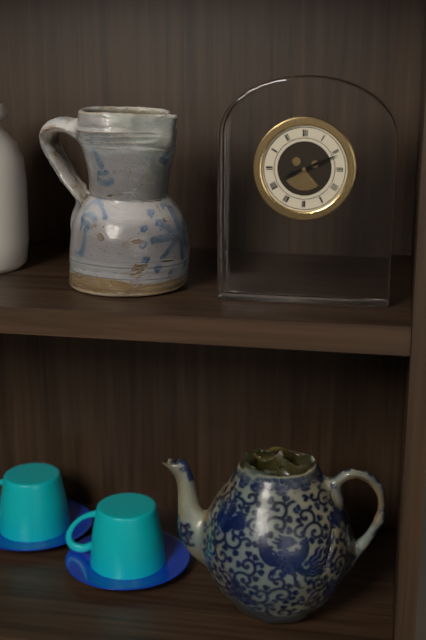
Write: 8h11
